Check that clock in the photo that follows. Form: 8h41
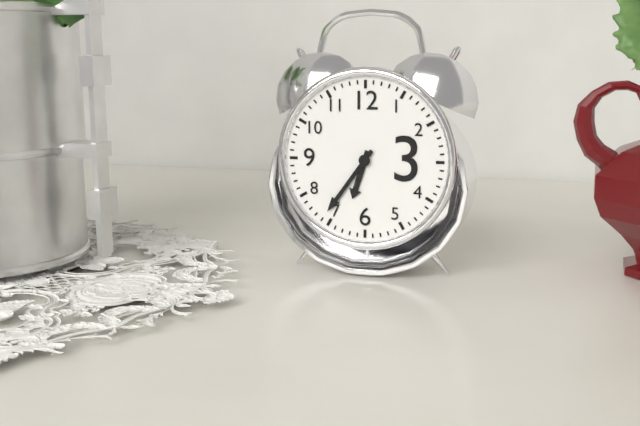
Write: 6h36
